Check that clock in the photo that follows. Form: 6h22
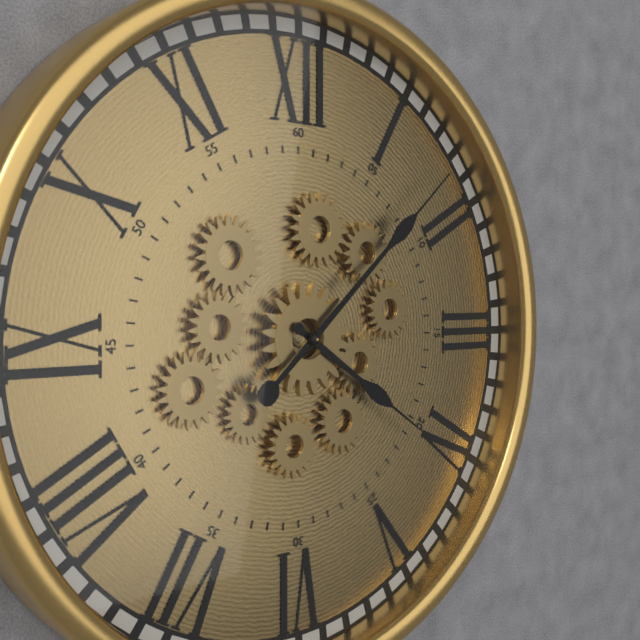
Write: 4h08
